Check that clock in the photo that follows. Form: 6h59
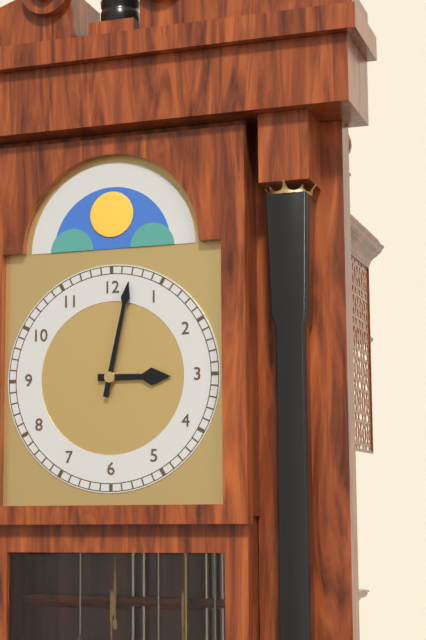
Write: 3h02
